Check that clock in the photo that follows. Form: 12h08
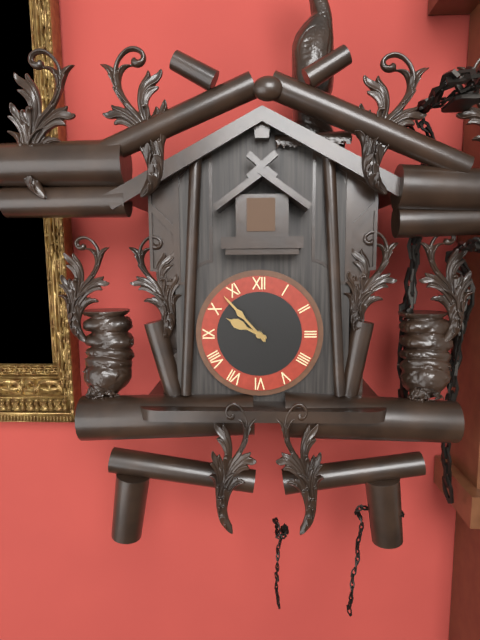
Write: 9h53
